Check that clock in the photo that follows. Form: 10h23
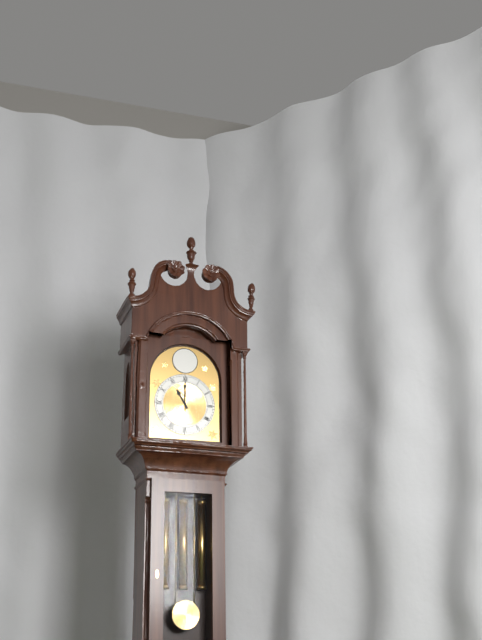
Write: 11h00
